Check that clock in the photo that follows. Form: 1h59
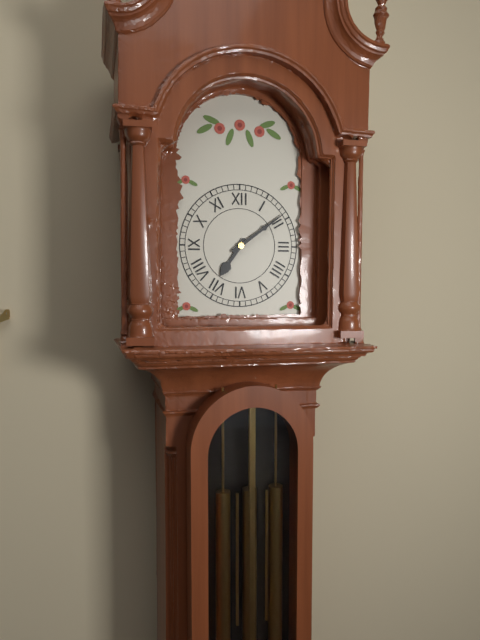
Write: 7h09
